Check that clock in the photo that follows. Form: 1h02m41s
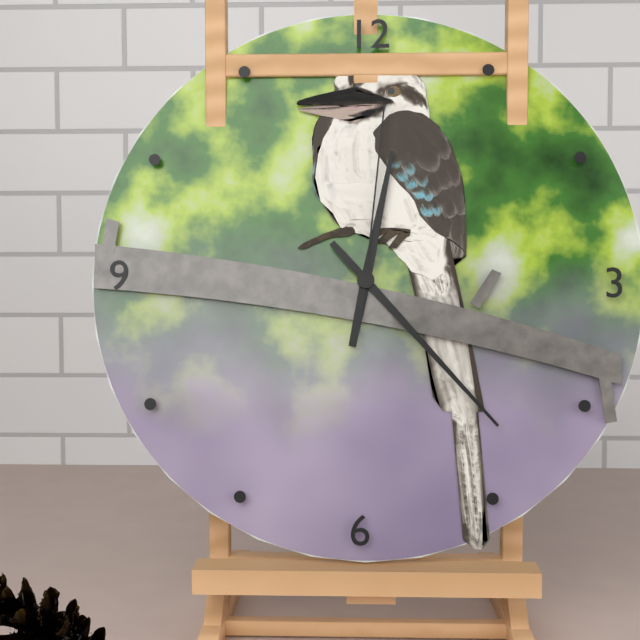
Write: 12h23m01s
